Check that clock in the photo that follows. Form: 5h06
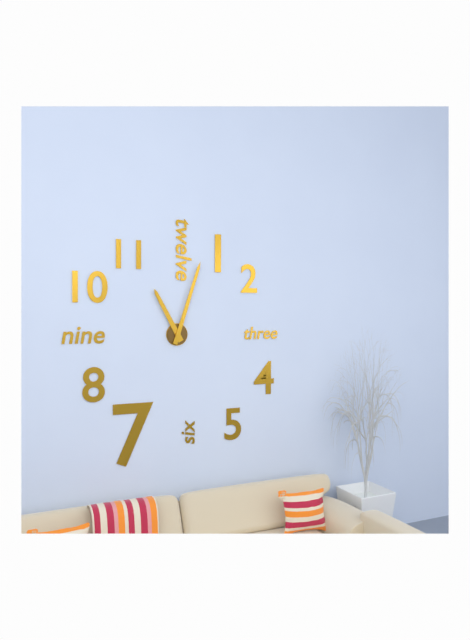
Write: 11h03
